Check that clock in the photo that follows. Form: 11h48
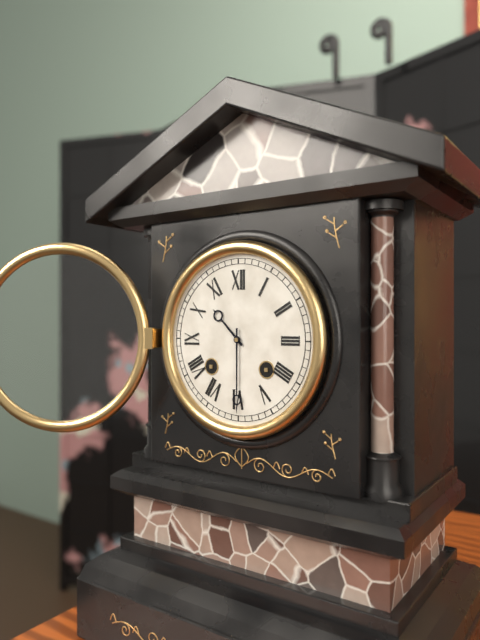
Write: 10h30
